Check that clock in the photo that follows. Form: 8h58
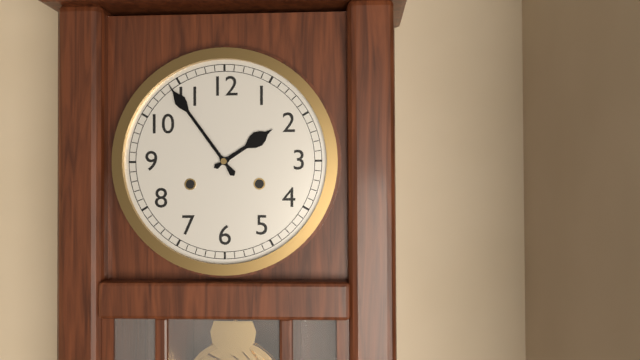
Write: 1h54
